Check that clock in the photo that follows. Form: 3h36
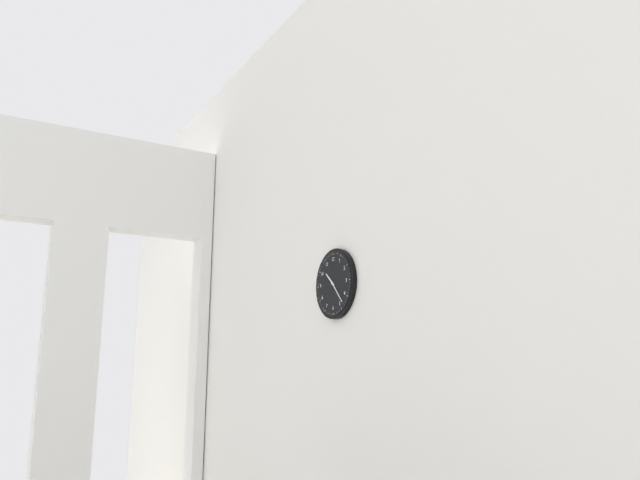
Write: 10h23
